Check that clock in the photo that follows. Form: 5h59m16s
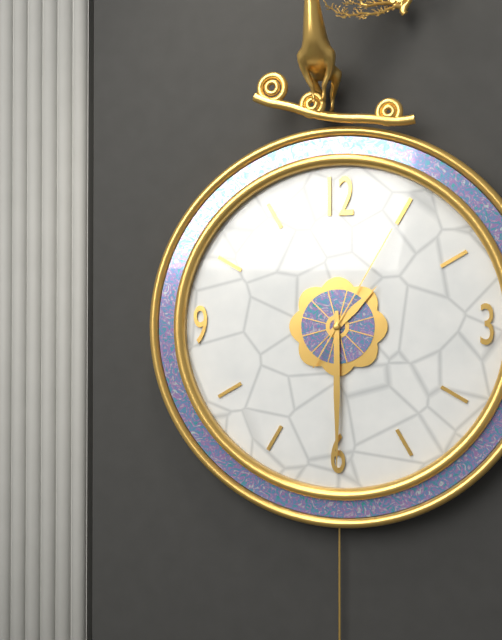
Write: 1h30m05s
